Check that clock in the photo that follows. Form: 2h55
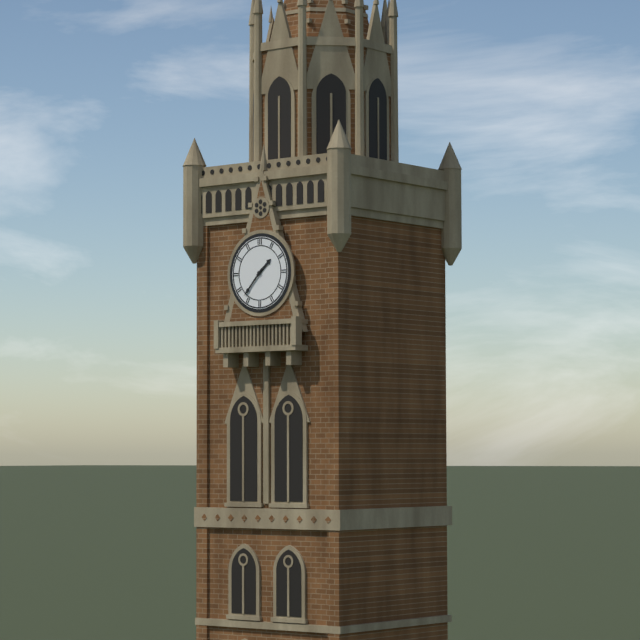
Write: 1h37
